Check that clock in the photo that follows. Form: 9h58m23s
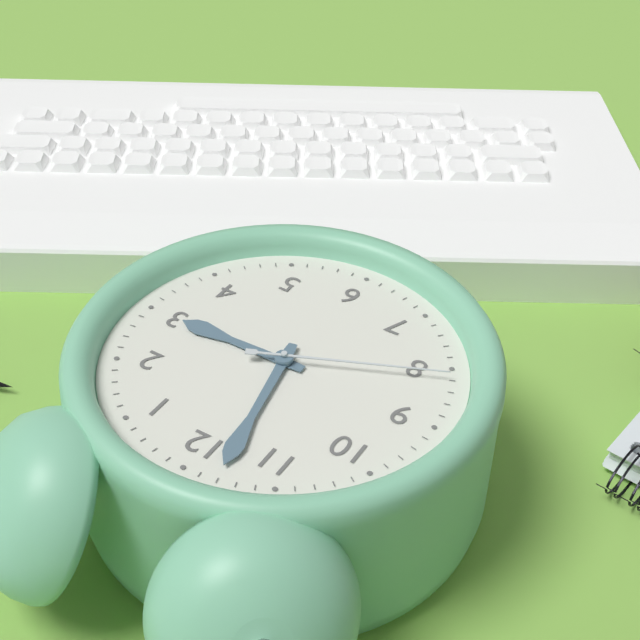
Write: 2h58m41s
